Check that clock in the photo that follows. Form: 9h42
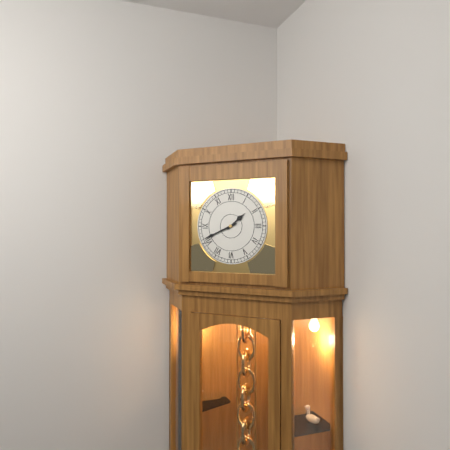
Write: 1h41
